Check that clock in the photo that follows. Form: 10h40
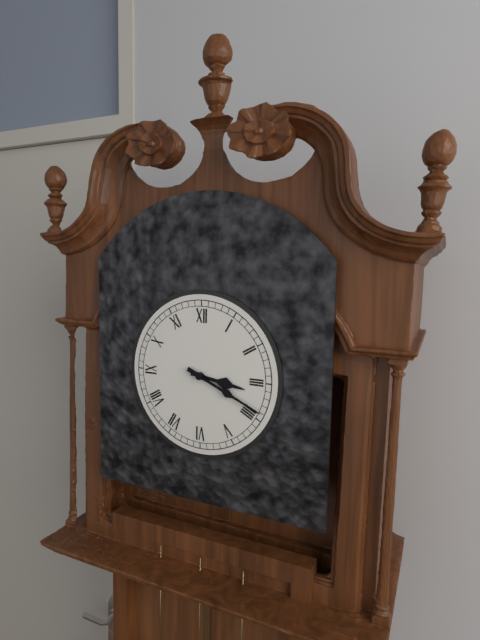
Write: 3h19
